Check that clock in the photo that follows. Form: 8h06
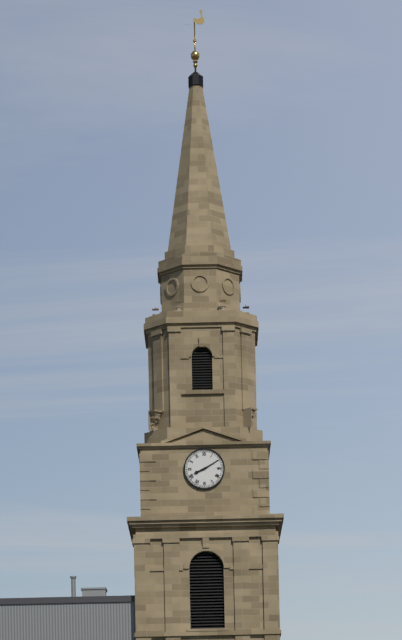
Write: 8h10
